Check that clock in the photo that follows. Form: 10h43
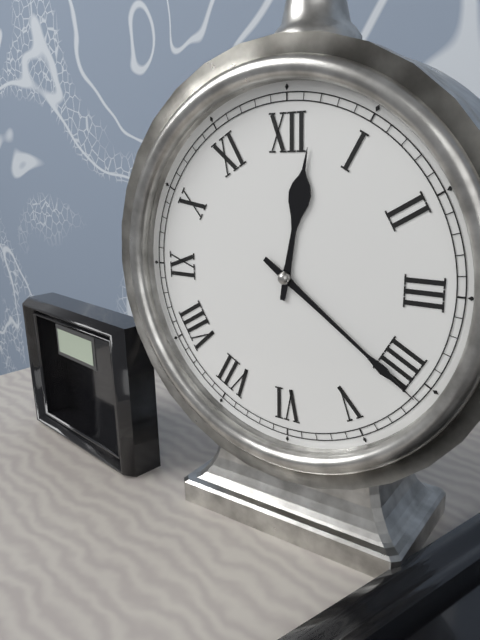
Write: 12h21
